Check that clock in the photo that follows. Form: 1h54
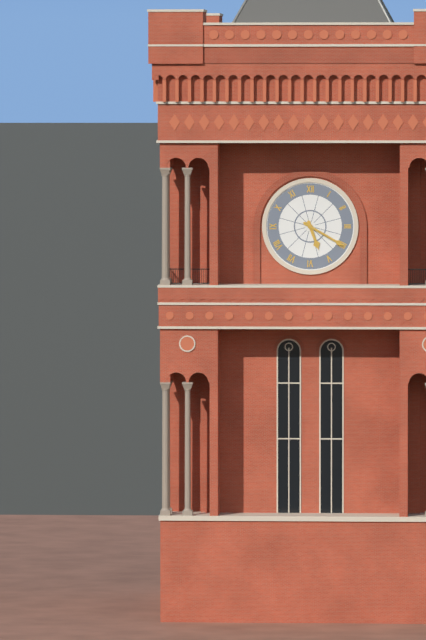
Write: 5h20
